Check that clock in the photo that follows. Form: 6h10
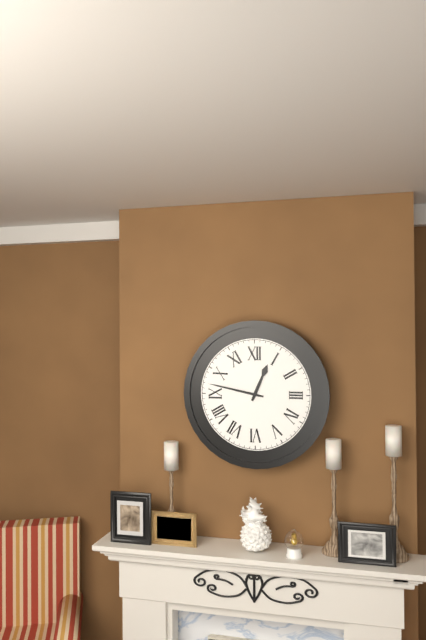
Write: 12h47
